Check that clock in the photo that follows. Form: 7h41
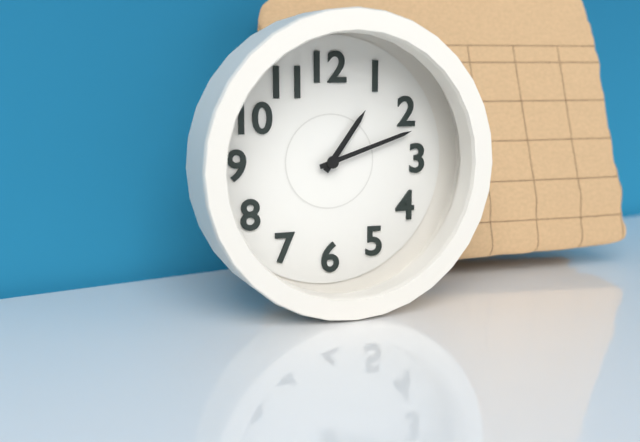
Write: 1h12
